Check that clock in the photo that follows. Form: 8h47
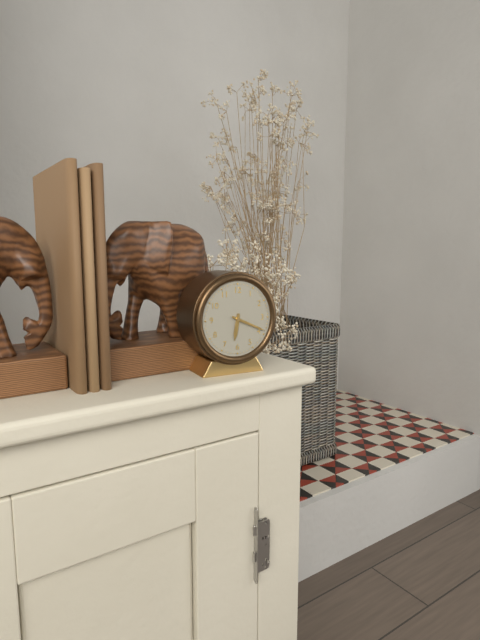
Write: 6h19
